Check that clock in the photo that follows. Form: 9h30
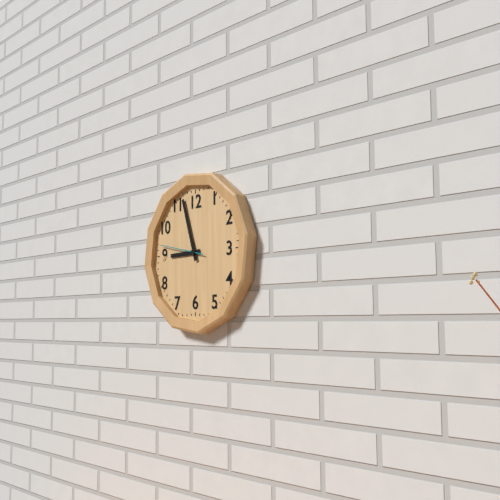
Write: 8h57
